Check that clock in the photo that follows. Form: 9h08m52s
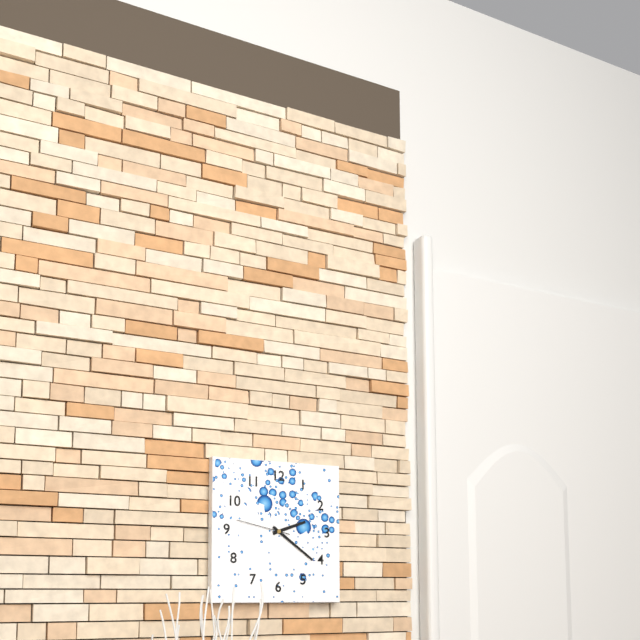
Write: 2h21m47s
